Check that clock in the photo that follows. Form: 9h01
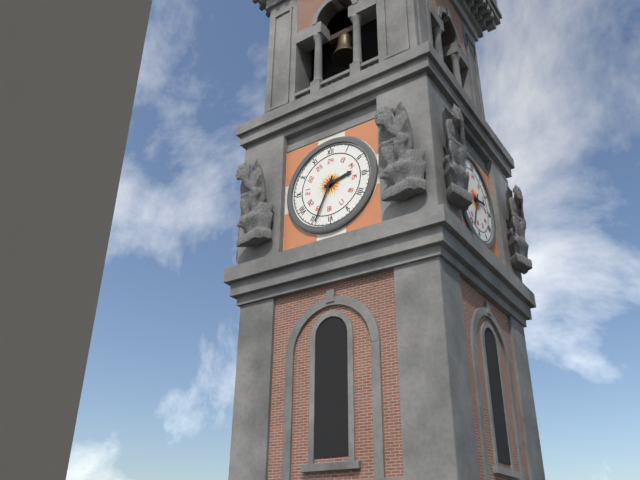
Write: 2h34
